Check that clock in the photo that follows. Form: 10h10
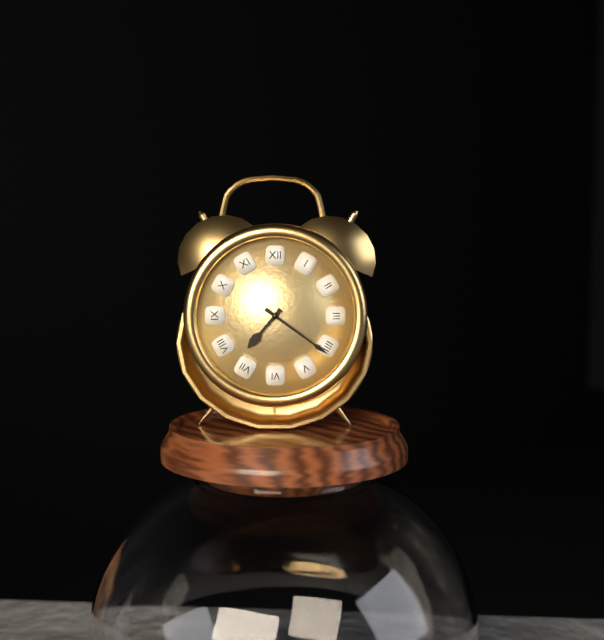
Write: 7h21
